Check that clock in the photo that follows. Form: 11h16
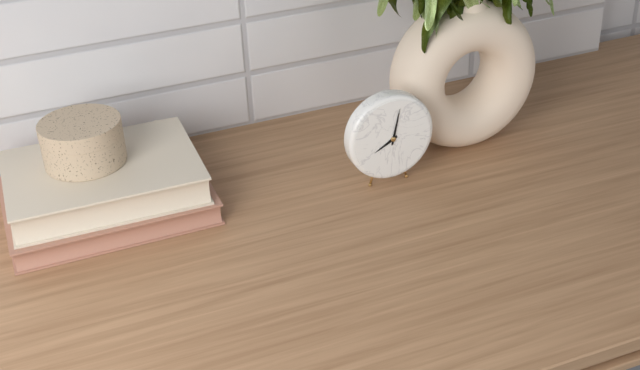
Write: 8h02
